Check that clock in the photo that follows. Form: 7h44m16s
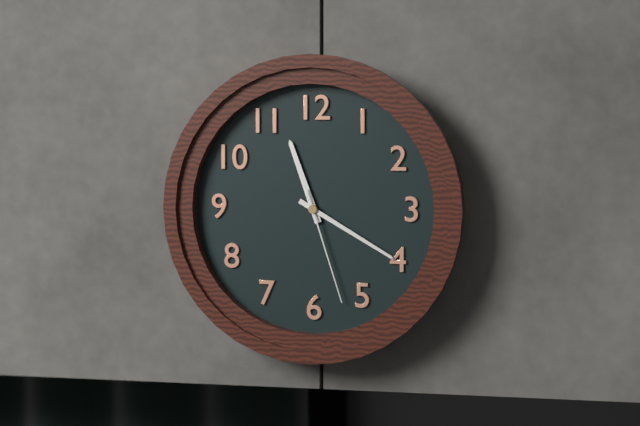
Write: 11h20m27s
